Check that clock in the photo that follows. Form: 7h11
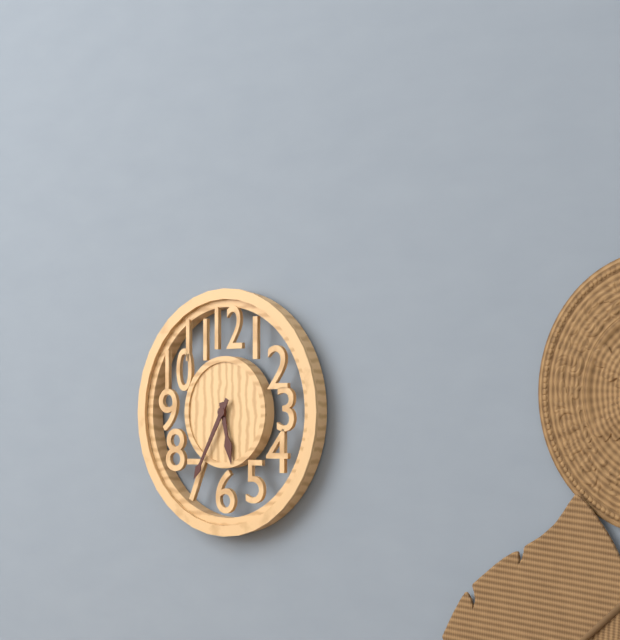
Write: 5h35
